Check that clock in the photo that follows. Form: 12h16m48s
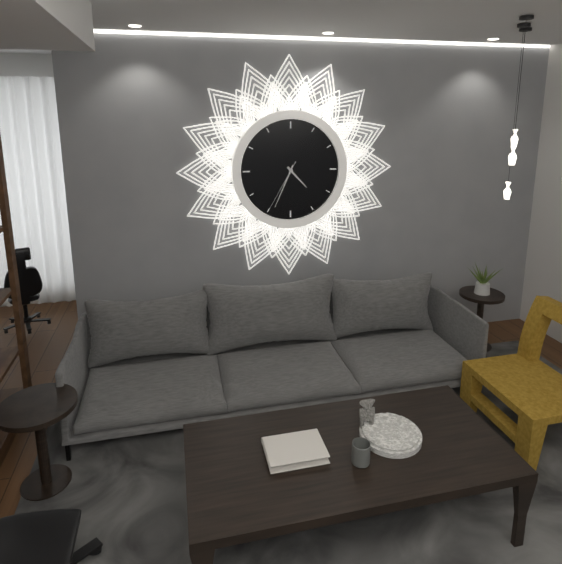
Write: 4h34m35s
